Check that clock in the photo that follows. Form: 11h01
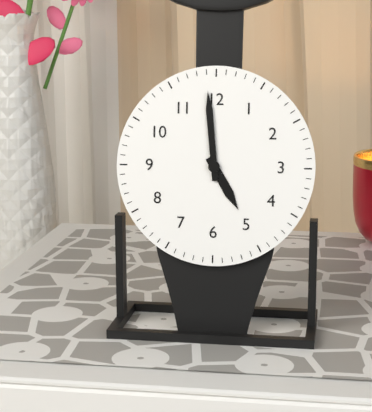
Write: 4h59
